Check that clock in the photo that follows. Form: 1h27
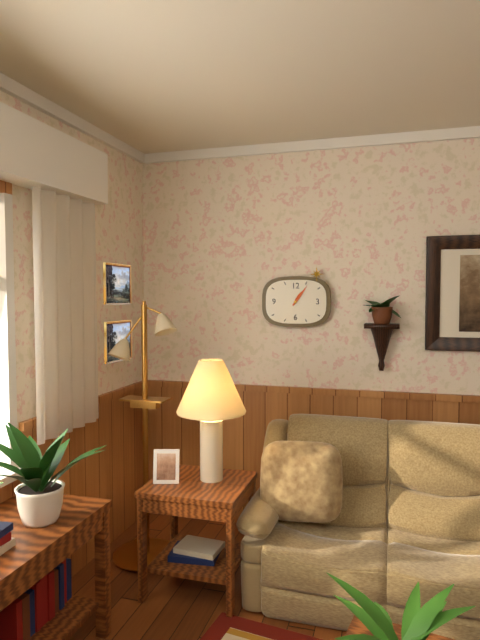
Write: 1h06
